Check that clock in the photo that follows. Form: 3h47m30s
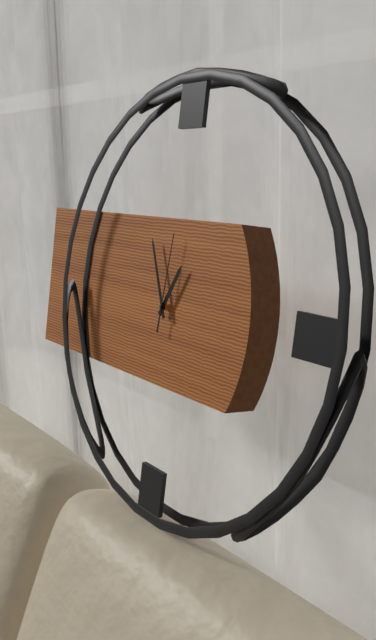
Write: 12h56m01s
